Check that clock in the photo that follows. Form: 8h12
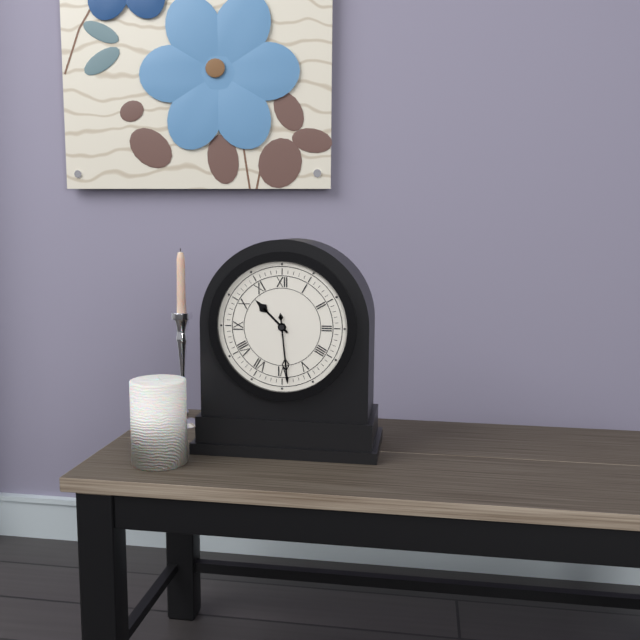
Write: 10h29
